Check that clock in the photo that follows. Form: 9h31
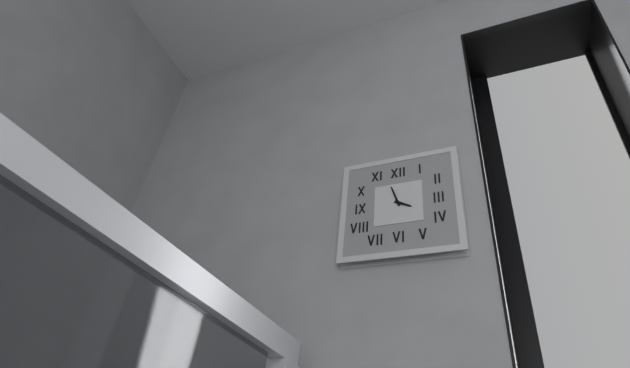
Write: 3h57
